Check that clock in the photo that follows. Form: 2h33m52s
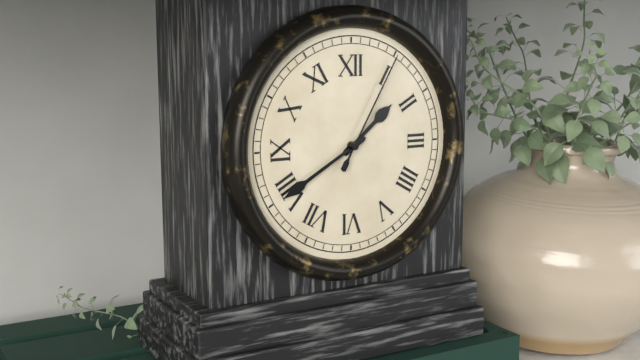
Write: 1h40m05s
